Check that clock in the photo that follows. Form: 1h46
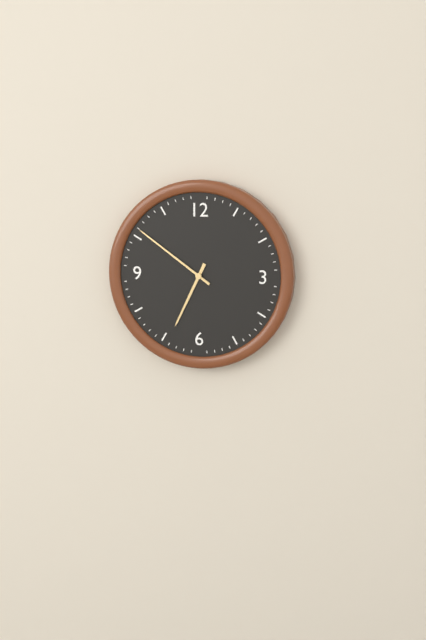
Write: 6h51
